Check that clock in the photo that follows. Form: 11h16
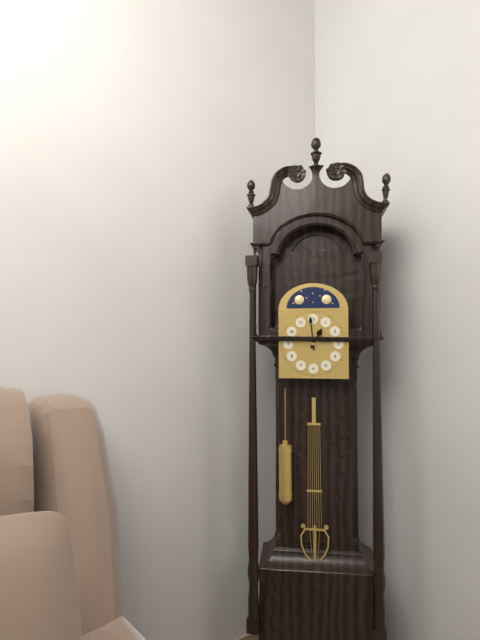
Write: 12h59
